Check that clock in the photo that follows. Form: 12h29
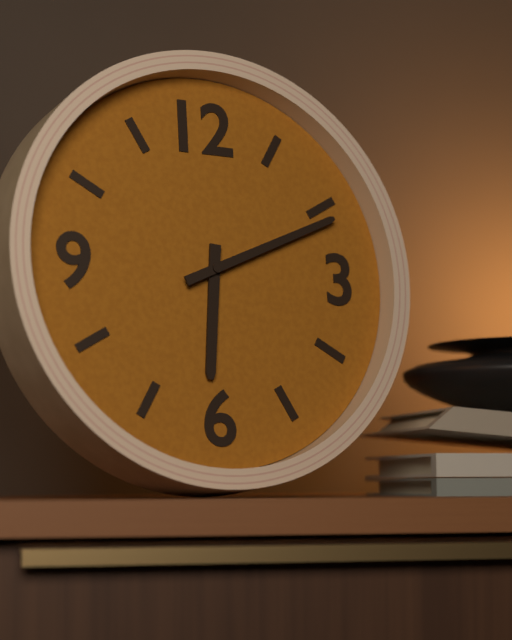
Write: 6h11
